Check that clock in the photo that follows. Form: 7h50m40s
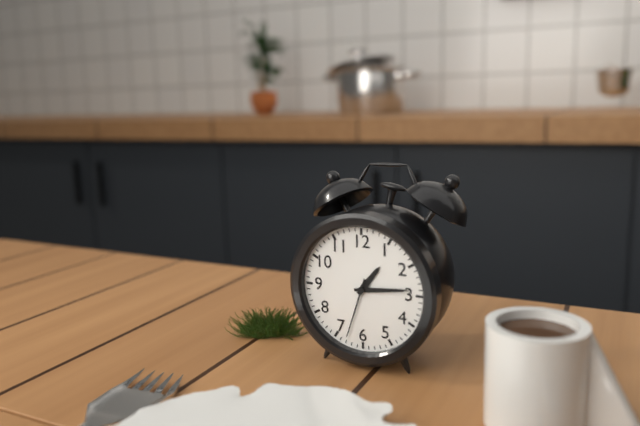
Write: 1h14m33s
